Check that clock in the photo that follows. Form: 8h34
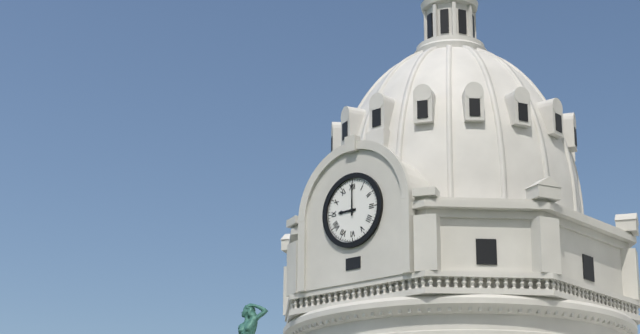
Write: 9h00
